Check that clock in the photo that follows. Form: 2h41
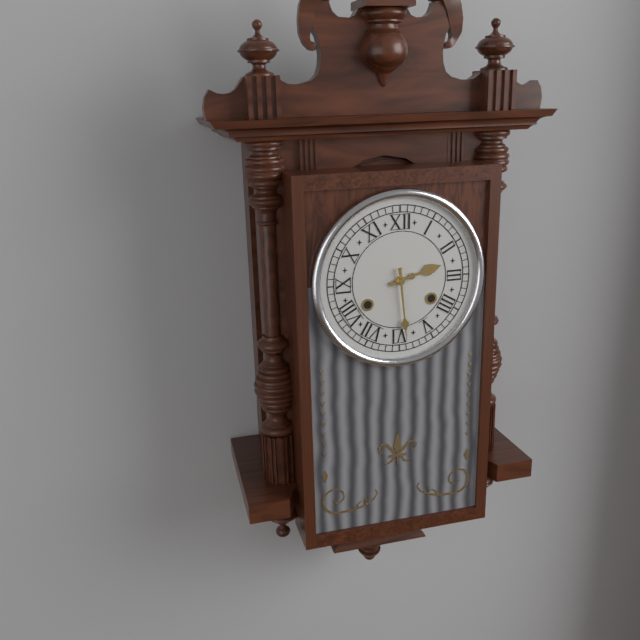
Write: 2h29
